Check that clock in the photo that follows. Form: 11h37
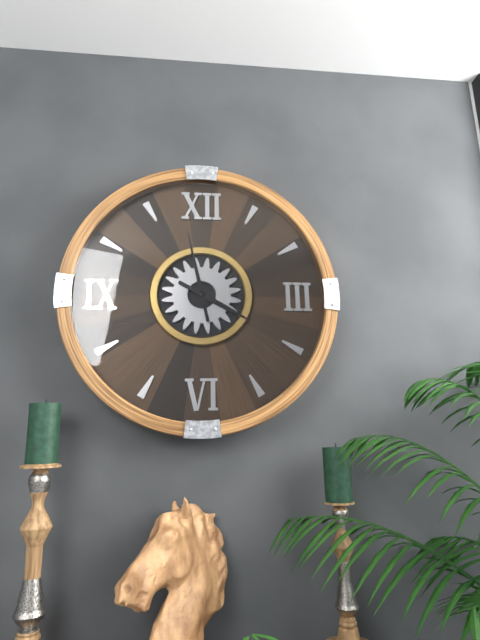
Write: 3h58
